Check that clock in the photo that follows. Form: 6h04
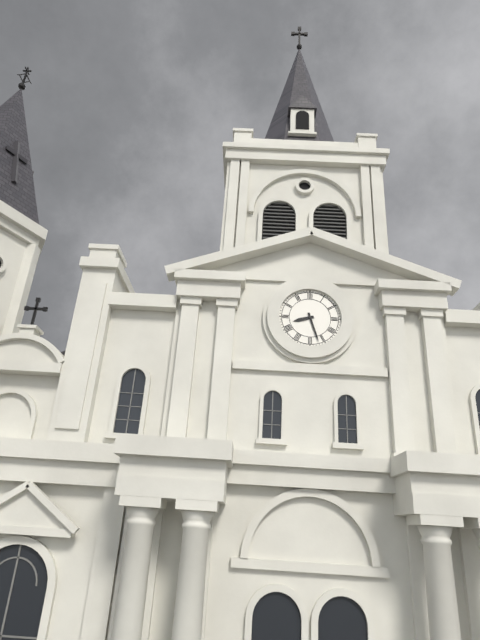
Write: 8h27
